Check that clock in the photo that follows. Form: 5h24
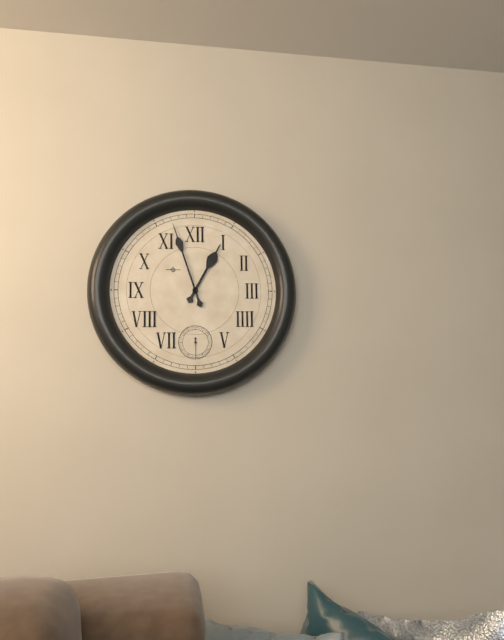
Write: 12h57
